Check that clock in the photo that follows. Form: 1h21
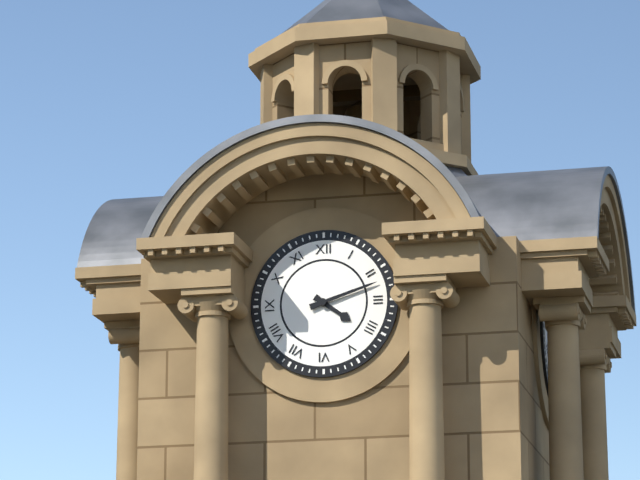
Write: 4h12
